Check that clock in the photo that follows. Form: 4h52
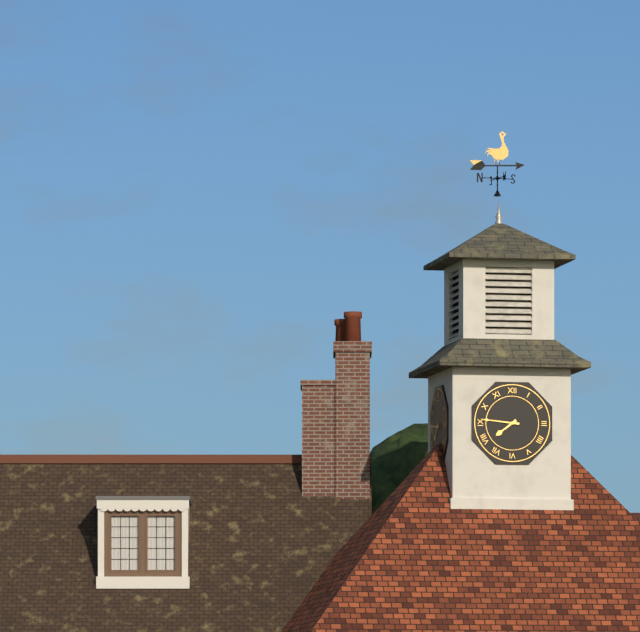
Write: 7h46
